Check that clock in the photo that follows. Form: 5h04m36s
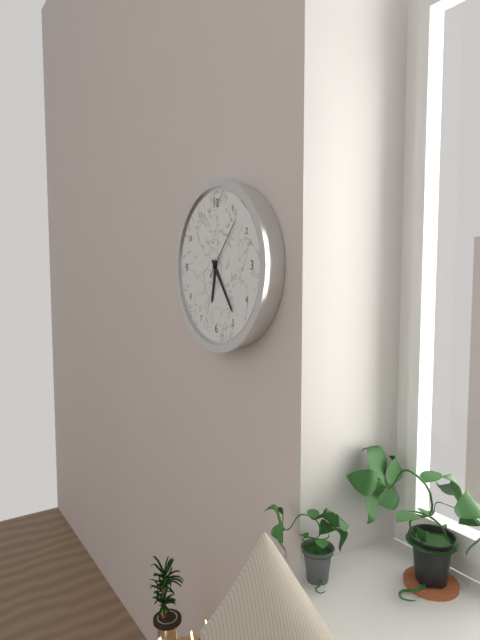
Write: 6h24m07s
